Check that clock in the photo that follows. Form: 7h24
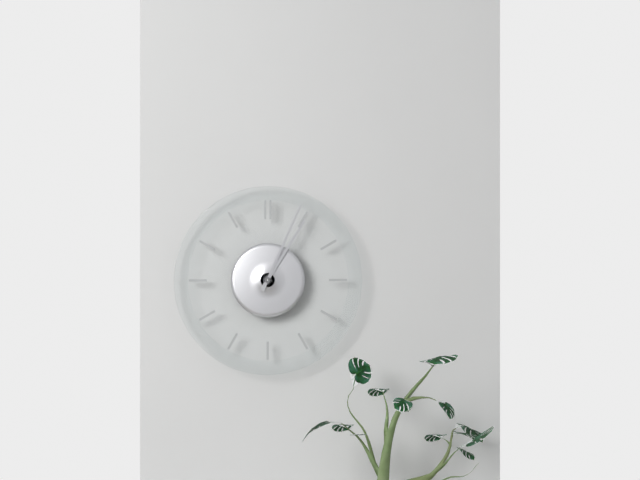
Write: 1h04
